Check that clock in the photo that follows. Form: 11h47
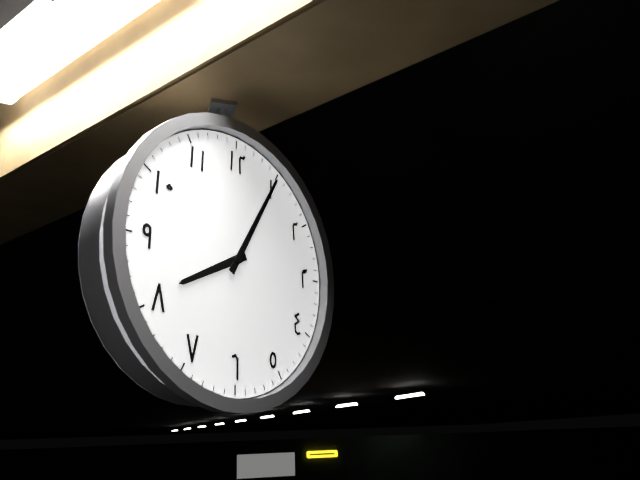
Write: 8h05
